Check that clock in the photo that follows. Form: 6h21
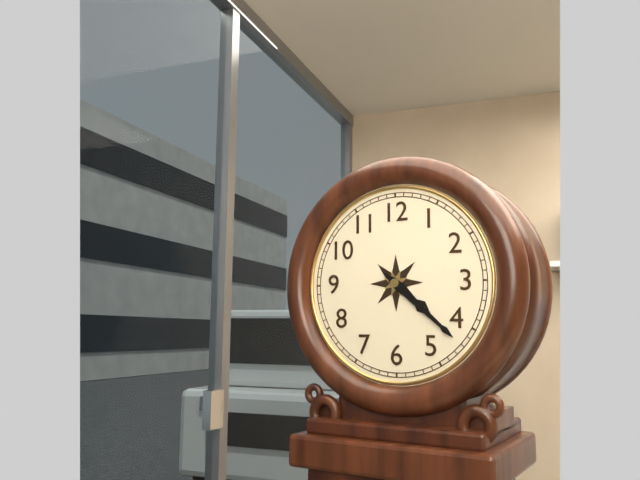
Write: 4h22
